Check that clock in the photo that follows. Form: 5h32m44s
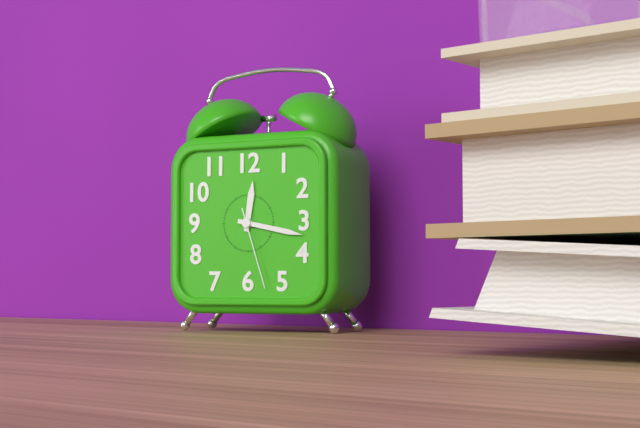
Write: 12h17m27s
